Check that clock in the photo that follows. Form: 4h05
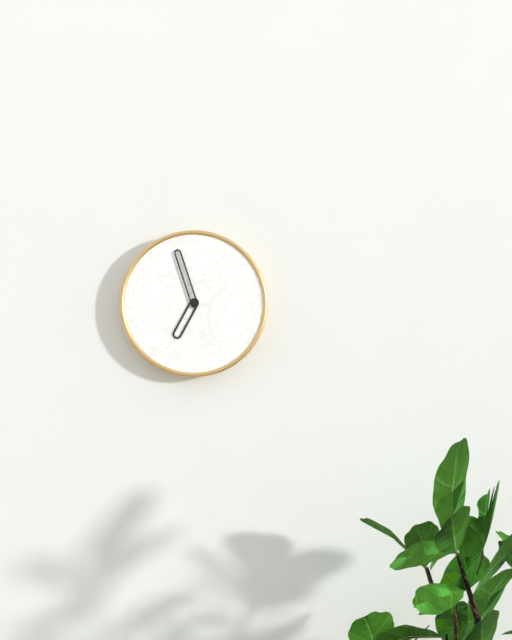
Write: 6h57
